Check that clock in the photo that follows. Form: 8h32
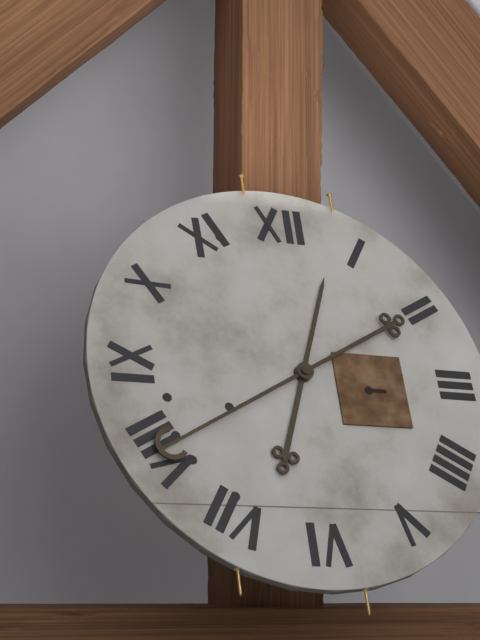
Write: 12h40
